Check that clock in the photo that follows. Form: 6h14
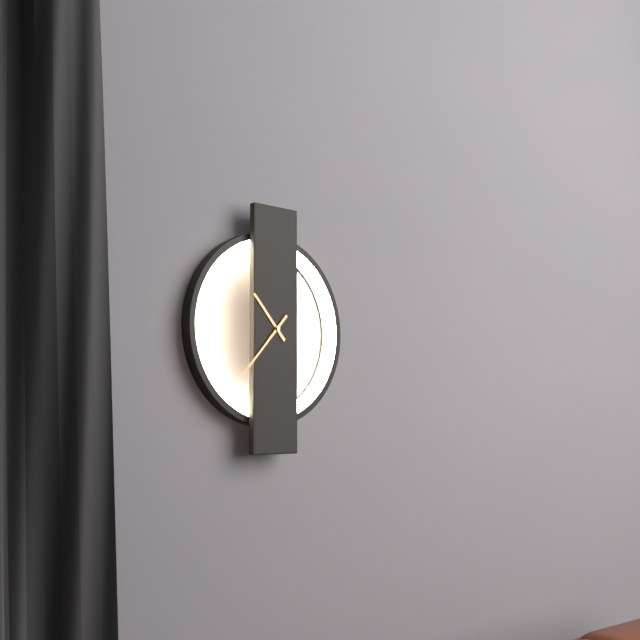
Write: 10h37
